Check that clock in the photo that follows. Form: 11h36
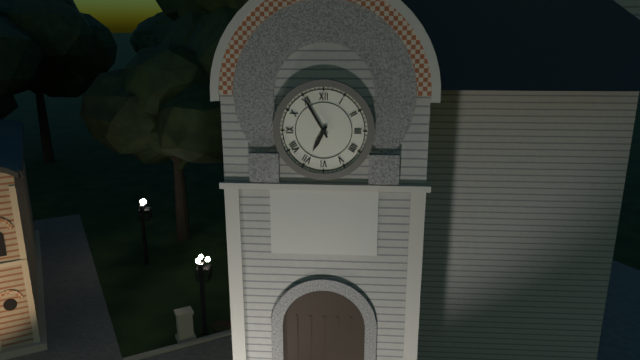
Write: 6h55
